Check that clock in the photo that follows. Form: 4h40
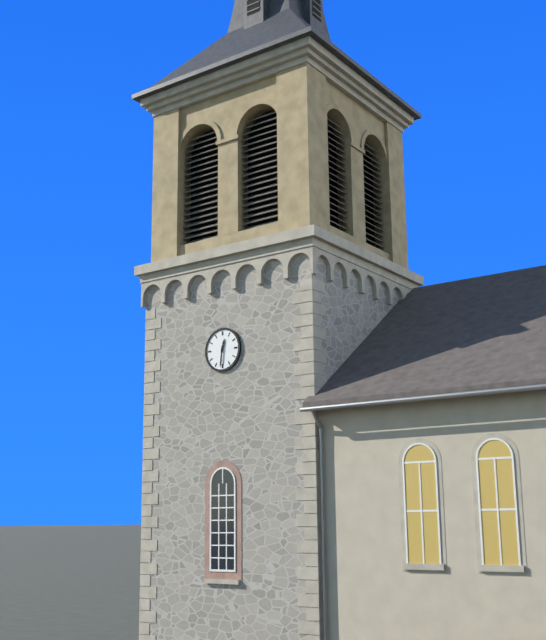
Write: 12h31
